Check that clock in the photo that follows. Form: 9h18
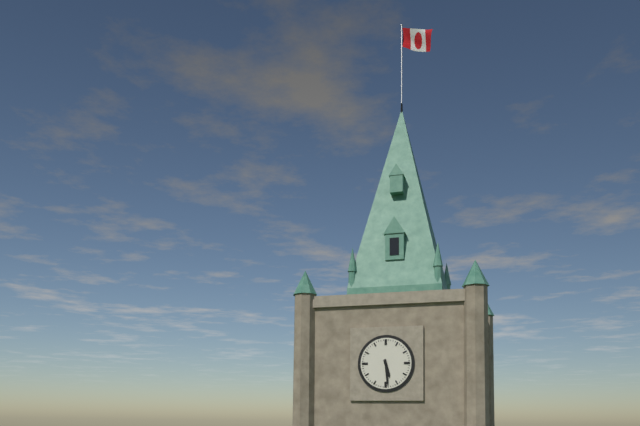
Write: 5h29
